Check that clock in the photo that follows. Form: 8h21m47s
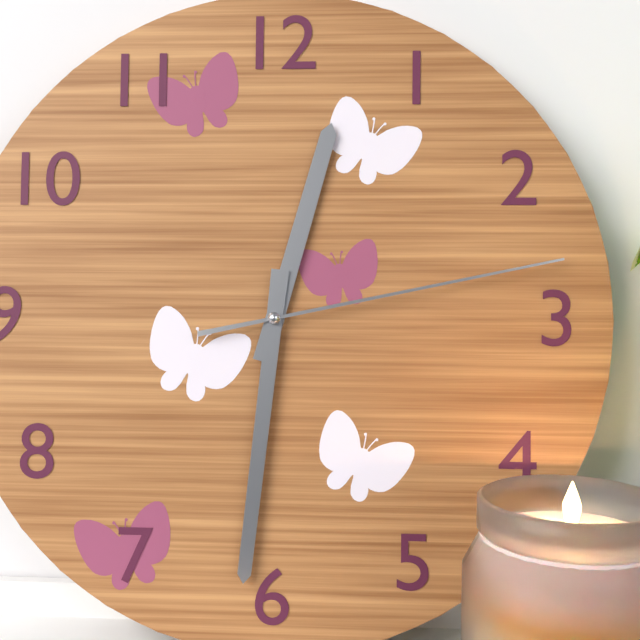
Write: 12h31m13s
